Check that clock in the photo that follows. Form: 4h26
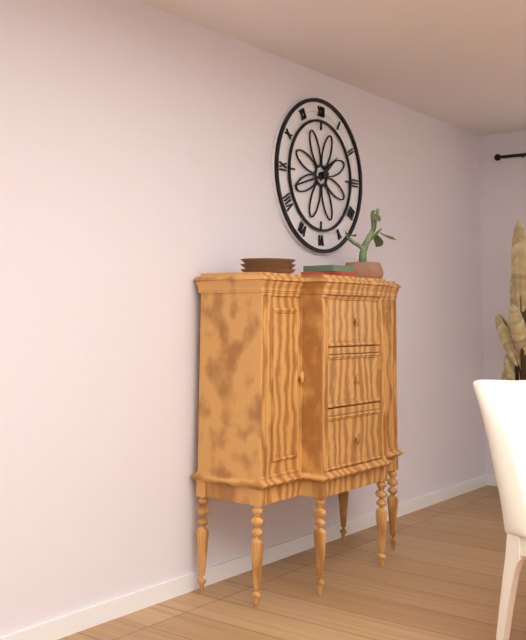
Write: 1h42
